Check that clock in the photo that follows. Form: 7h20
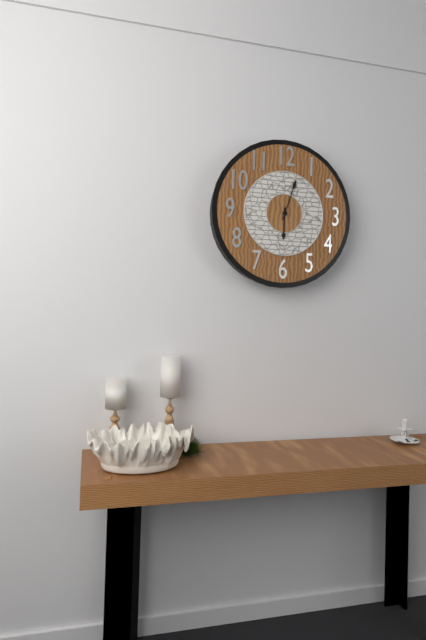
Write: 6h03
